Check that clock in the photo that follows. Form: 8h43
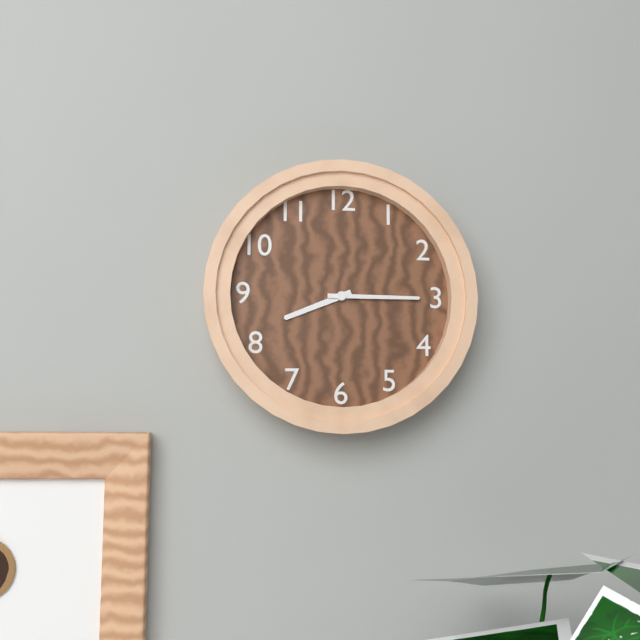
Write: 8h15
